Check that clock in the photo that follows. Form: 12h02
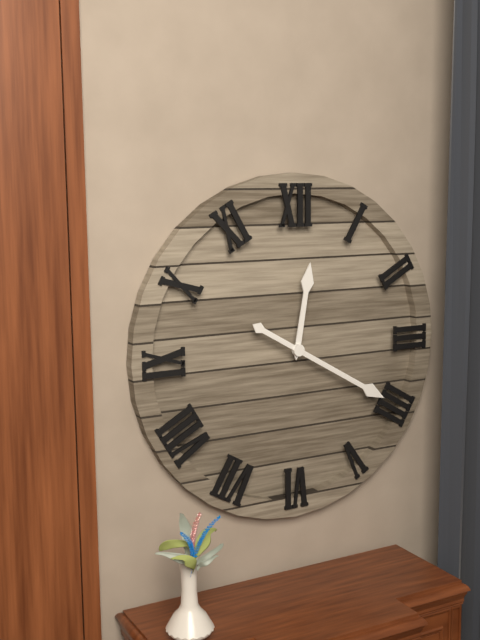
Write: 12h20
